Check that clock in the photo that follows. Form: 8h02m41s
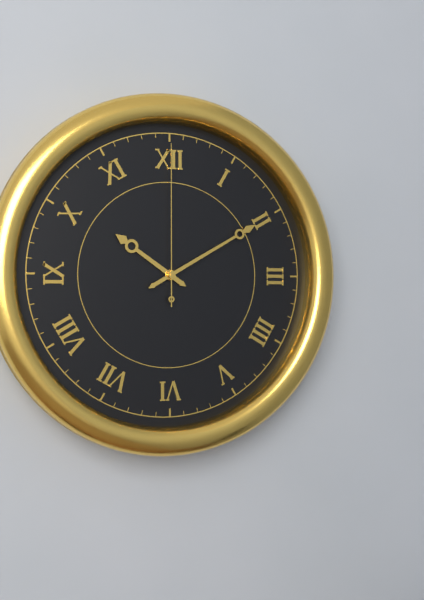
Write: 10h10m00s
